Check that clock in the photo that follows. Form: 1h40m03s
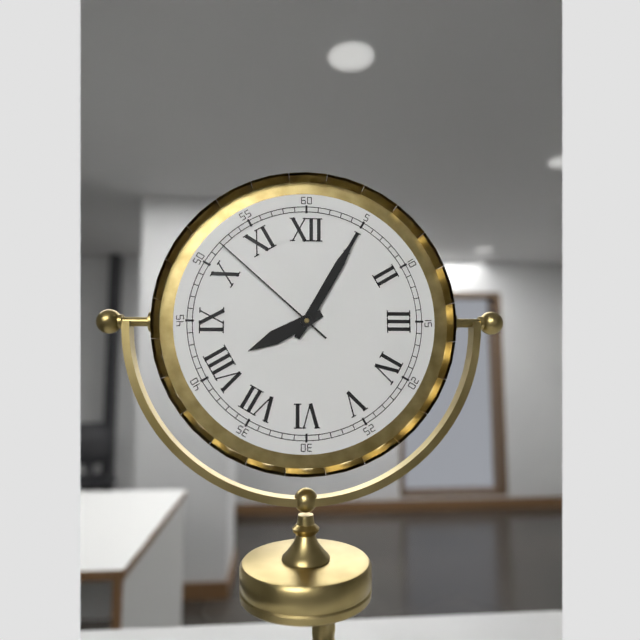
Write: 8h05m52s
